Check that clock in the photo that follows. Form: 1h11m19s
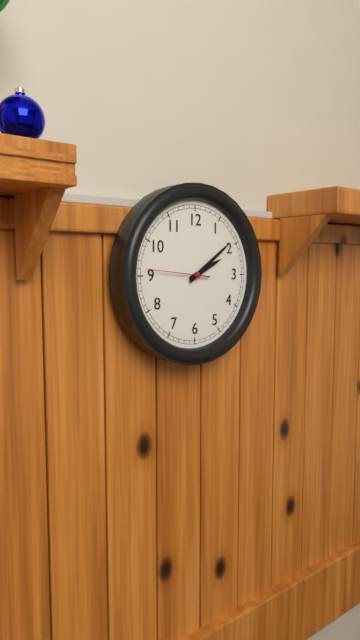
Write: 2h09m46s
